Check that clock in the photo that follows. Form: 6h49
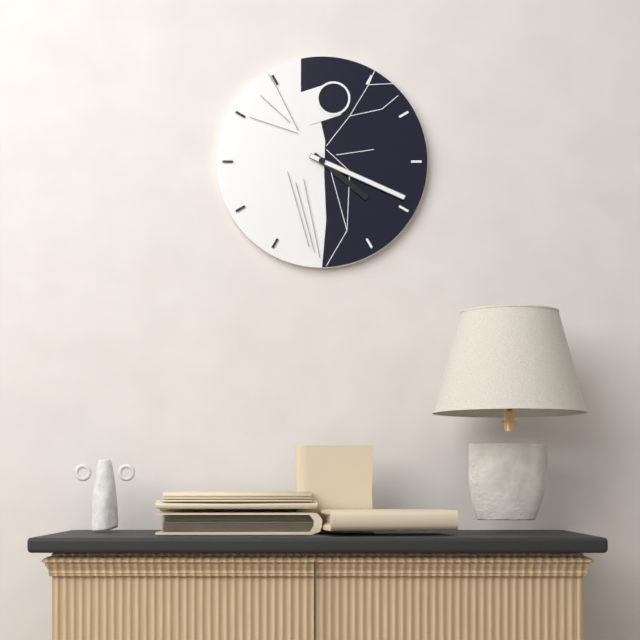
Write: 4h19
